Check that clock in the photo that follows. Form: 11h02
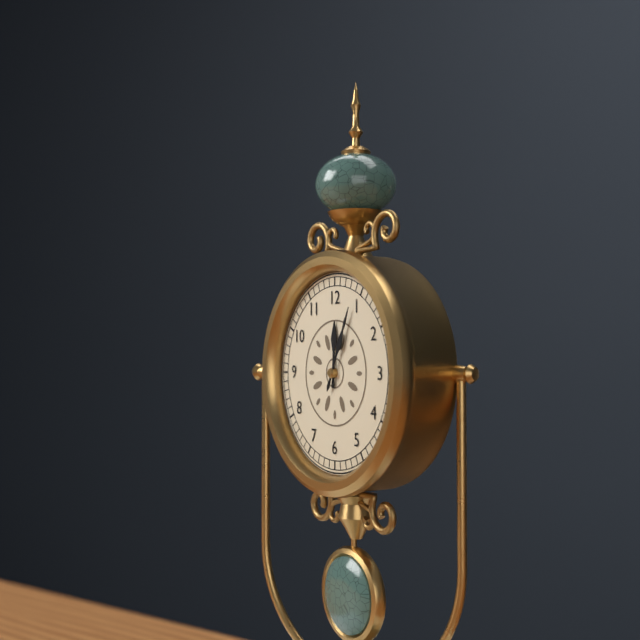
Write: 12h04
